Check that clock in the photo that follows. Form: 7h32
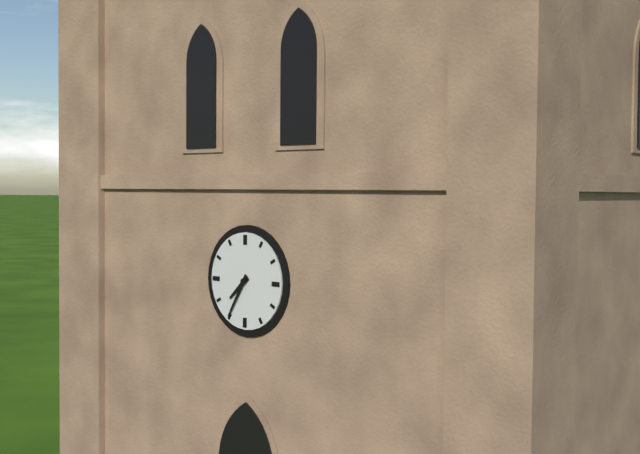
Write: 7h35
